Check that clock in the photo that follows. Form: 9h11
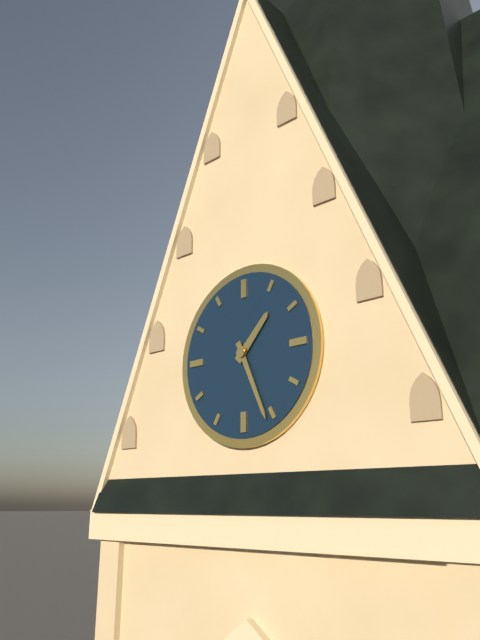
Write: 1h26
